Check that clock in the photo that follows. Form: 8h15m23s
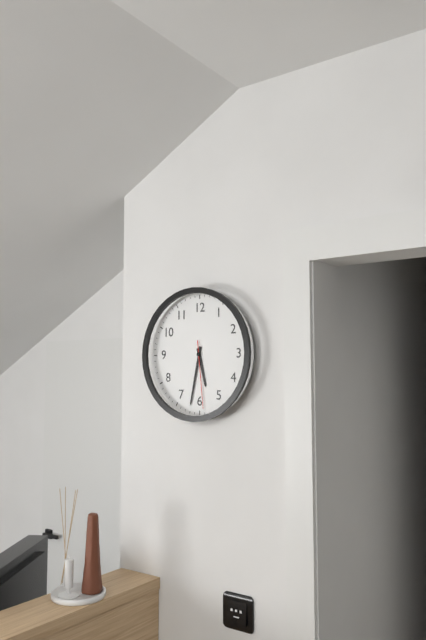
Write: 5h32m29s
